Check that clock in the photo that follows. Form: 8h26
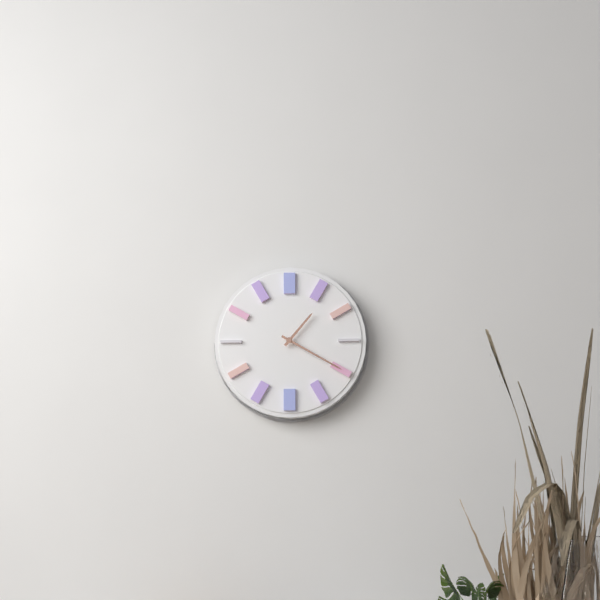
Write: 1h20
